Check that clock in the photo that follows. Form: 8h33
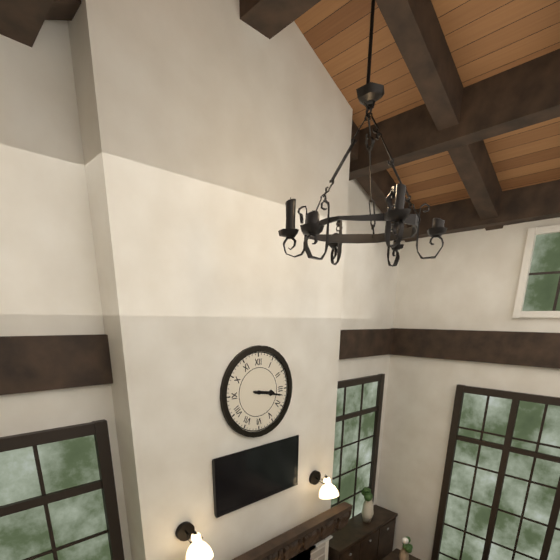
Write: 3h17
